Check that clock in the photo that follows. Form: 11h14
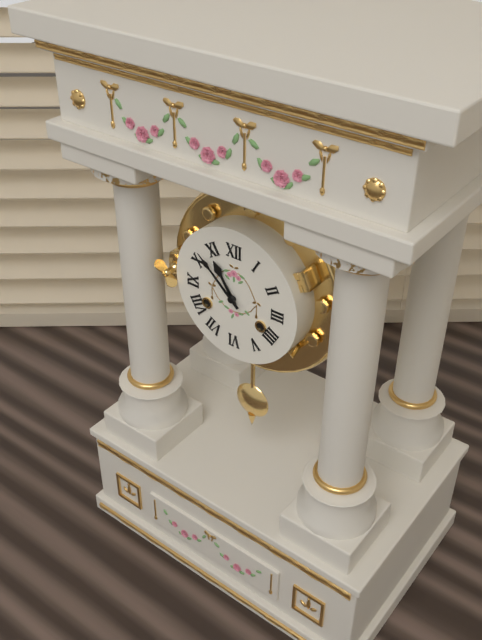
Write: 10h52
